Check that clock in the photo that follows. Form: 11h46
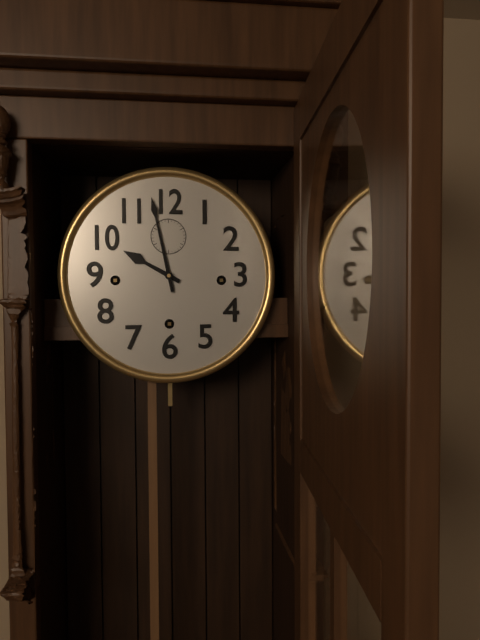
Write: 9h58
